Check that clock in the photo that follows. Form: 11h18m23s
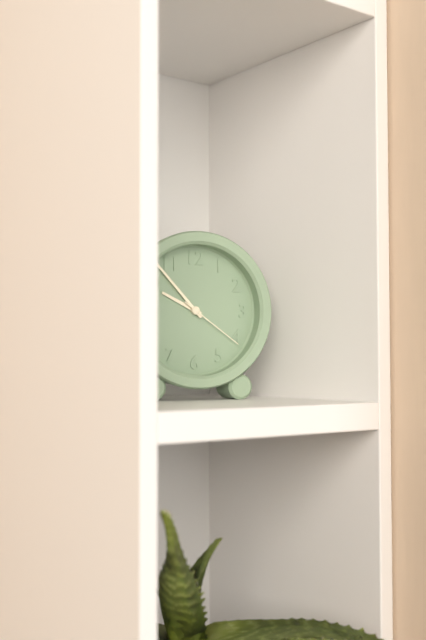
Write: 9h53m21s
